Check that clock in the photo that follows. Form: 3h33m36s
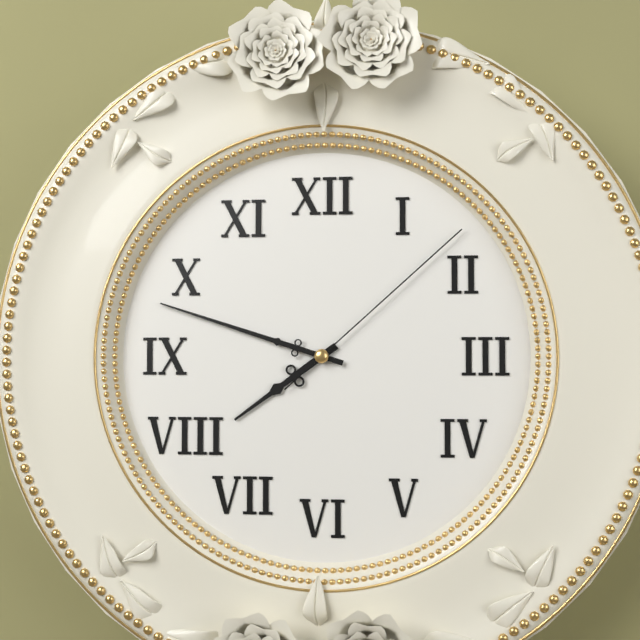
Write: 7h48m08s
